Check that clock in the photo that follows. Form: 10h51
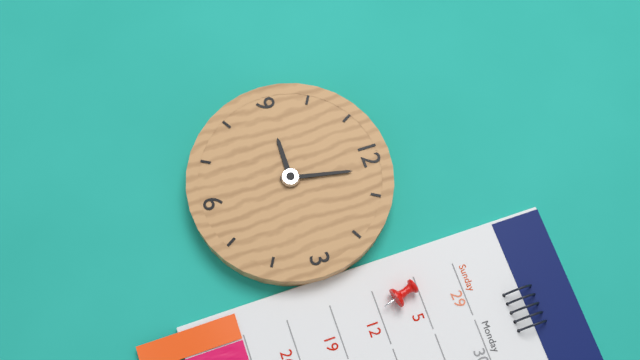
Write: 9h02
